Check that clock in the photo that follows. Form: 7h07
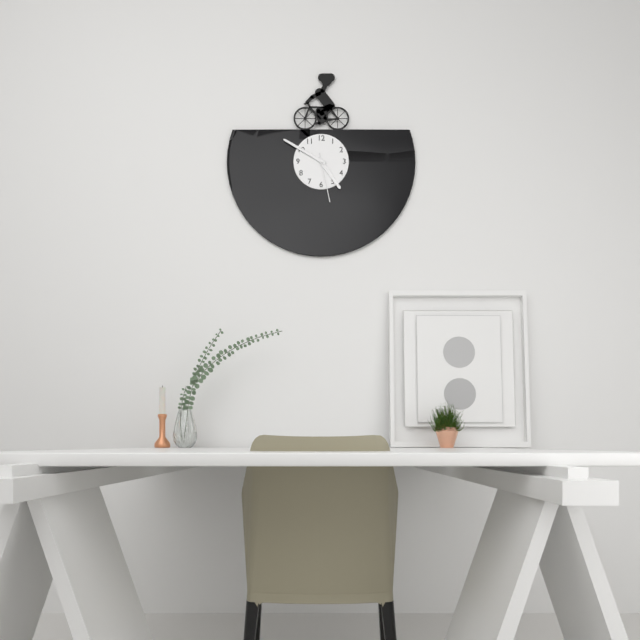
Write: 4h50
